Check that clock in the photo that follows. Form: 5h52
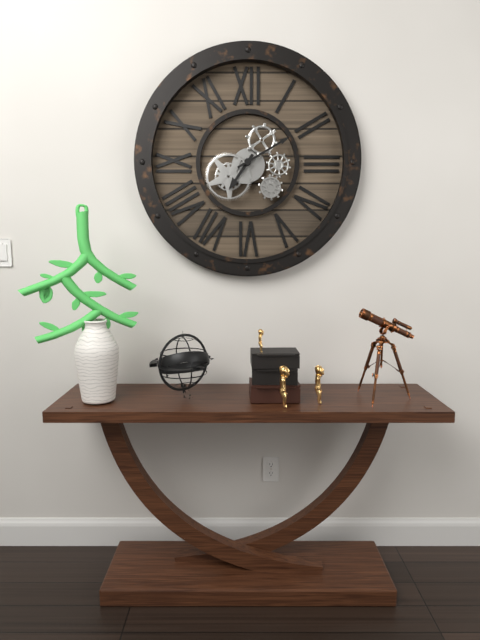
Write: 7h10
